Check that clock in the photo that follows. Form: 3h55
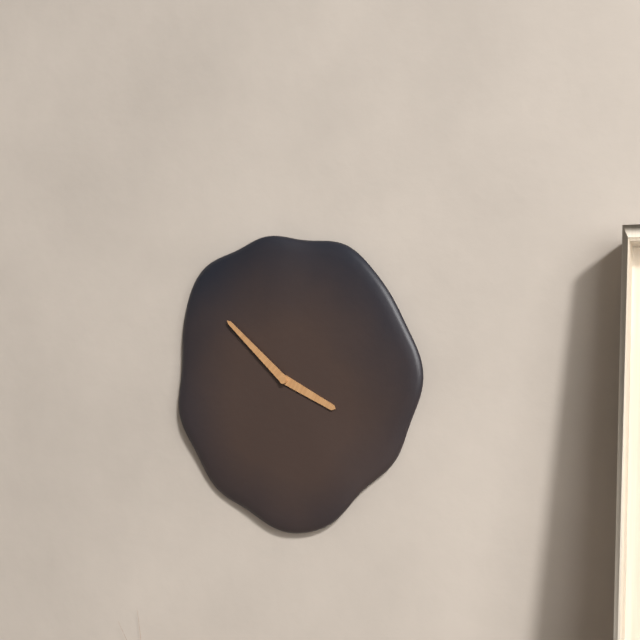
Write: 3h52
